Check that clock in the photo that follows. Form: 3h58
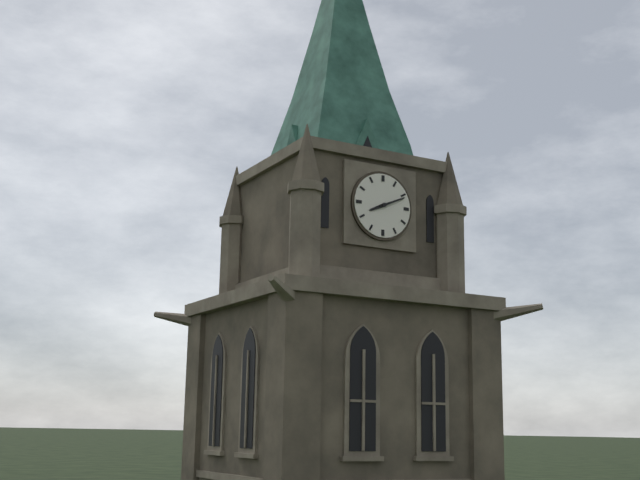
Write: 8h11
